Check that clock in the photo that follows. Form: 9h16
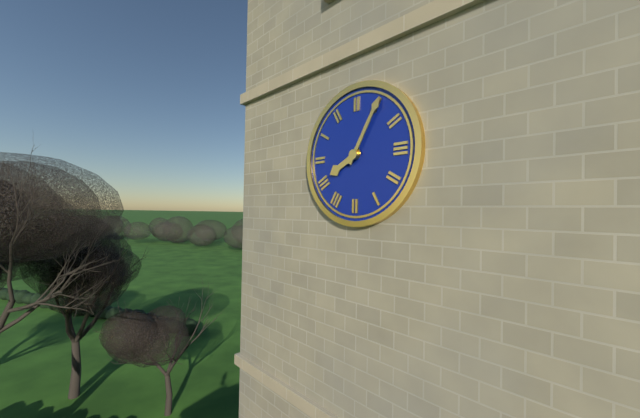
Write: 8h05
